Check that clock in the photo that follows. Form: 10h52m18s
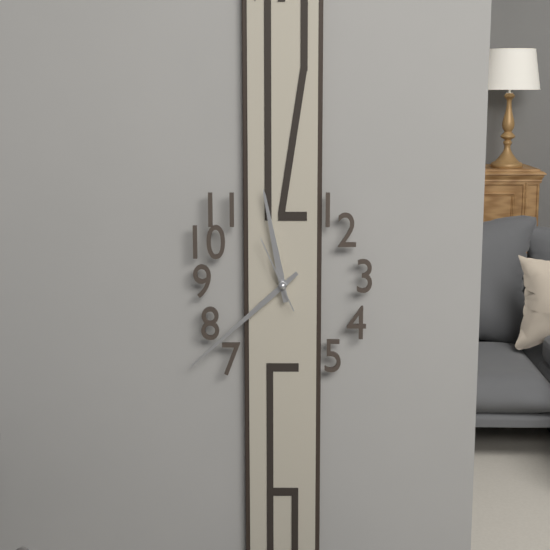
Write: 11h38m56s
